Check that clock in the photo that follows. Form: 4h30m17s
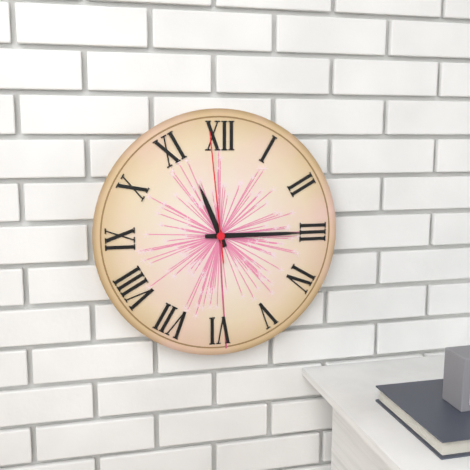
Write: 11h15m59s
